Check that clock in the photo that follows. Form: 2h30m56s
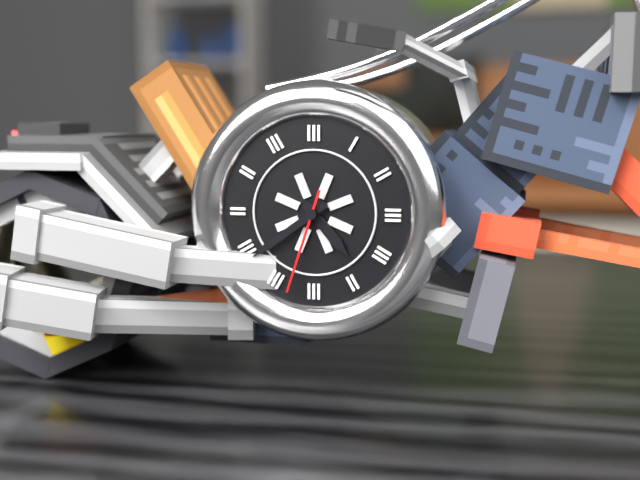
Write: 4h39m33s
